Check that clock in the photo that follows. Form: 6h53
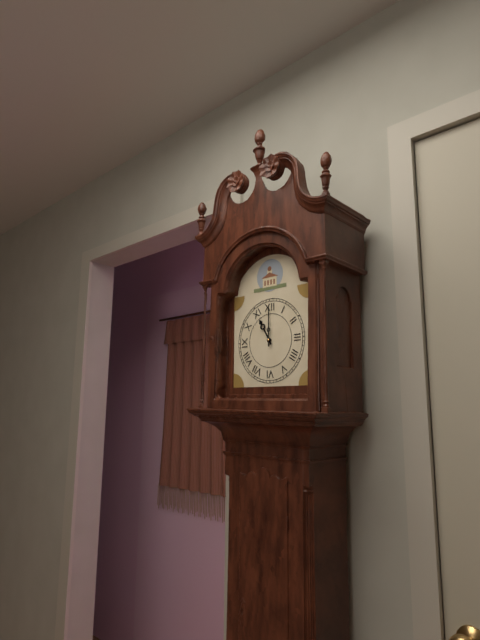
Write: 11h00
